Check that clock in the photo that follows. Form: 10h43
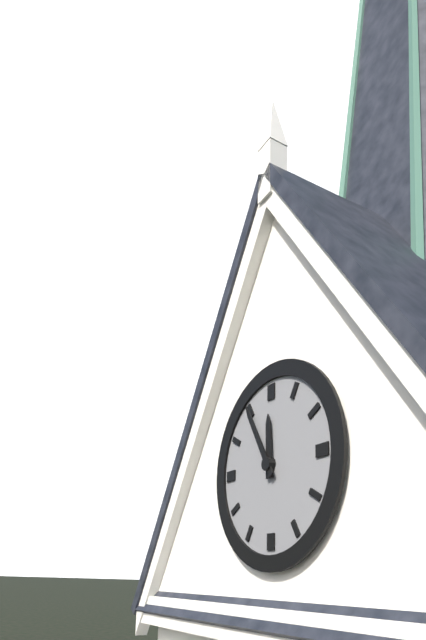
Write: 11h55
